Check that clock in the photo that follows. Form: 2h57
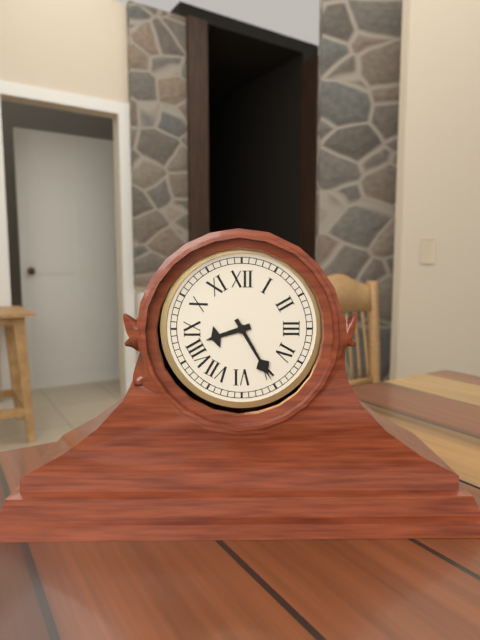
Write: 8h25
